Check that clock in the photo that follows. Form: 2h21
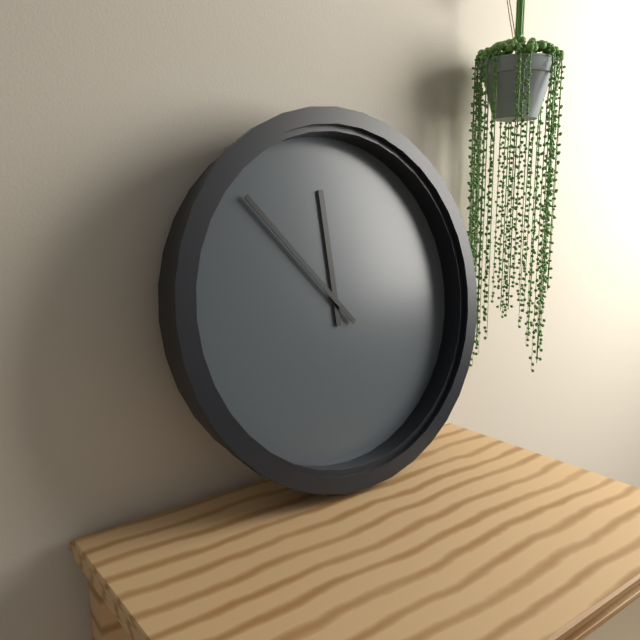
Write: 11h53
